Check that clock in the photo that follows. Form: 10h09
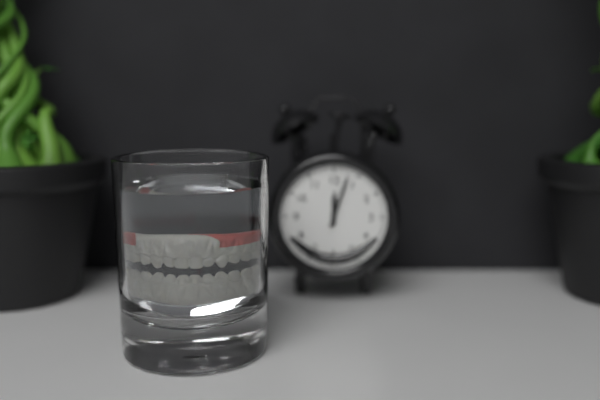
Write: 12h03
